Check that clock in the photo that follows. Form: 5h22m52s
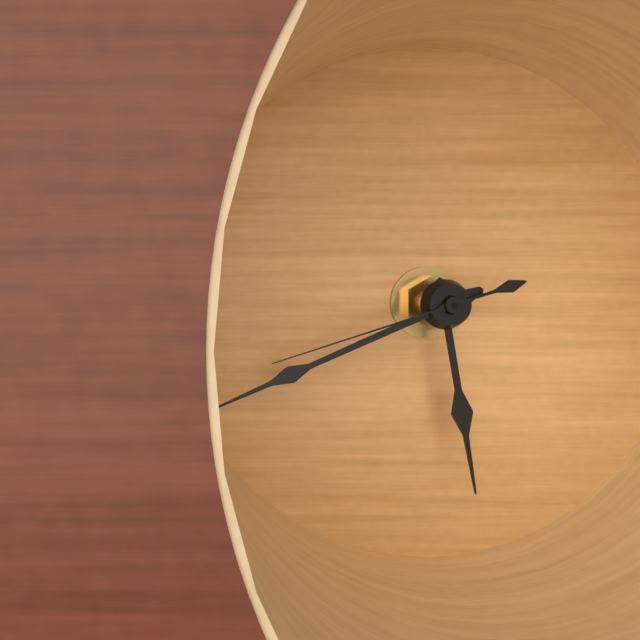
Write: 5h41m42s
